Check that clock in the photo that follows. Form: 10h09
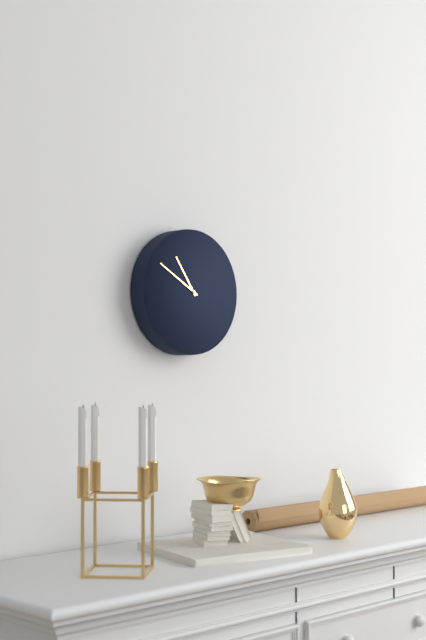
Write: 10h50
